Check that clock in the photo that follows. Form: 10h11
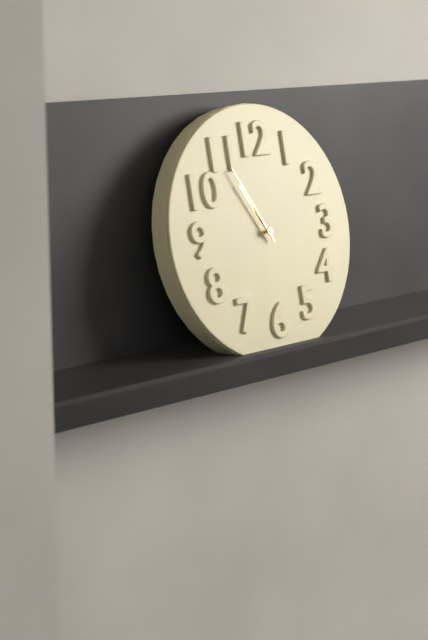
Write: 10h55
